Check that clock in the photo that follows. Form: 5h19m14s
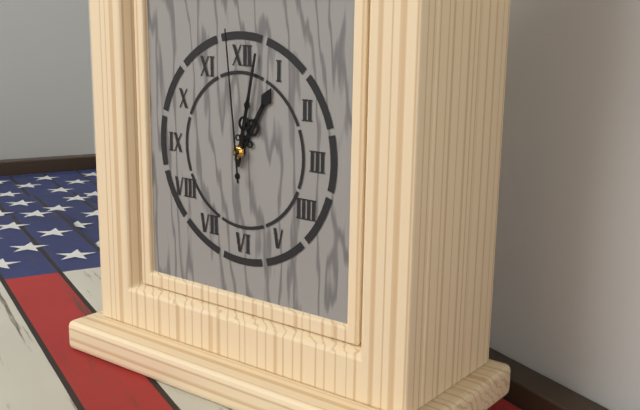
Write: 1h02m59s
